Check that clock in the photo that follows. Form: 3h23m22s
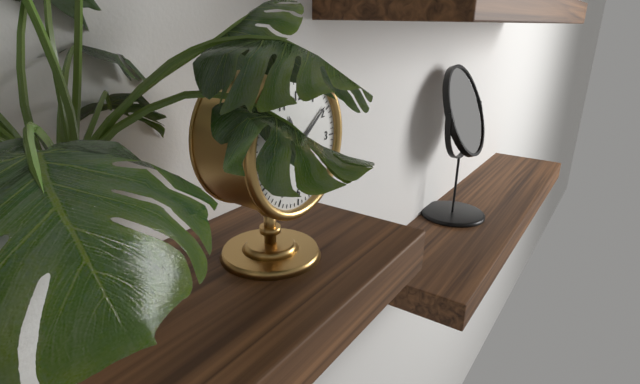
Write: 11h09m27s
